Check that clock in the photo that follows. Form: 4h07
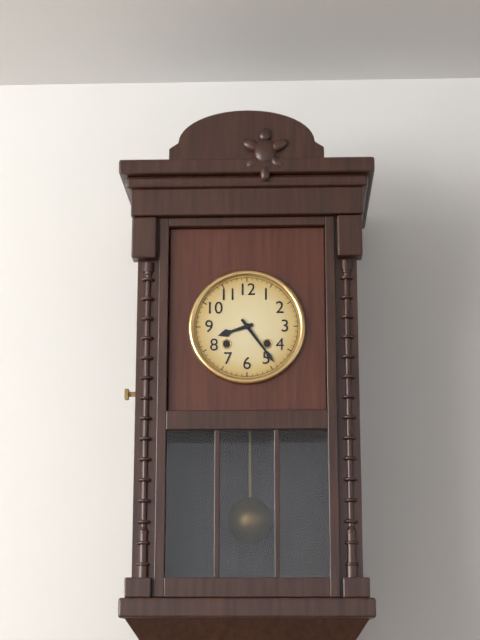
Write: 8h24
